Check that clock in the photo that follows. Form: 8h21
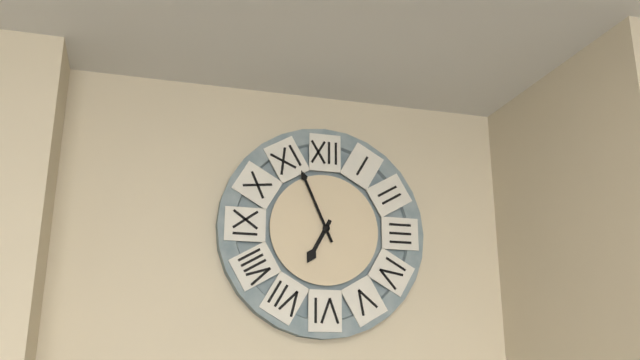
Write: 6h56
